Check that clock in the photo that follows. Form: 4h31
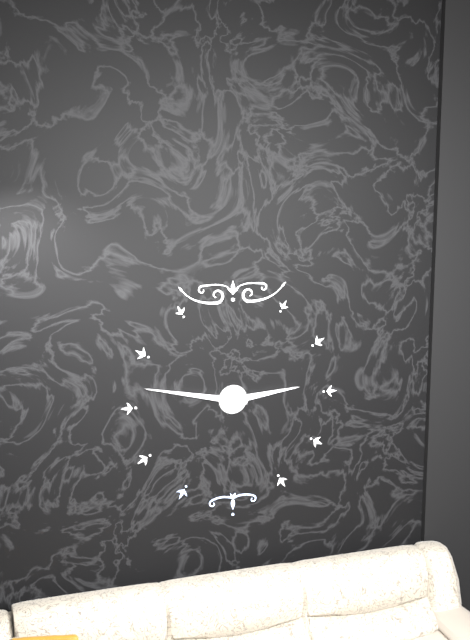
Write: 2h47
